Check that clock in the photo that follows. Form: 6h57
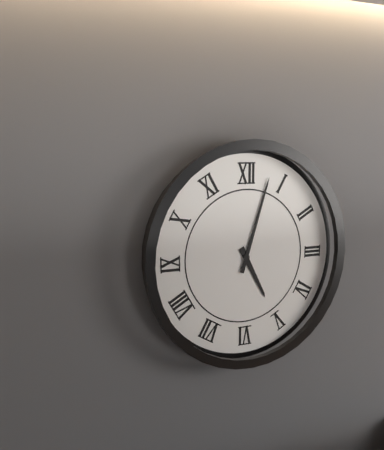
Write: 5h03
